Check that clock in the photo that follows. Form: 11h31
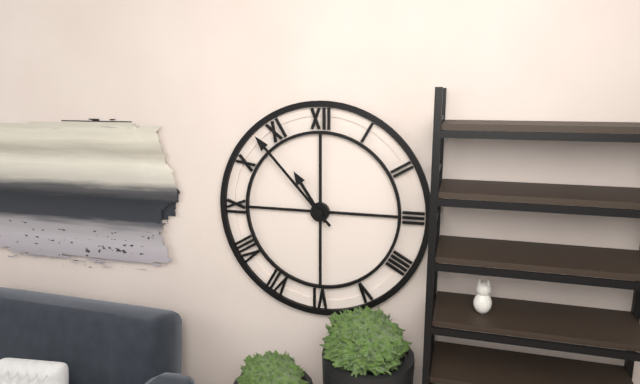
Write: 10h53
